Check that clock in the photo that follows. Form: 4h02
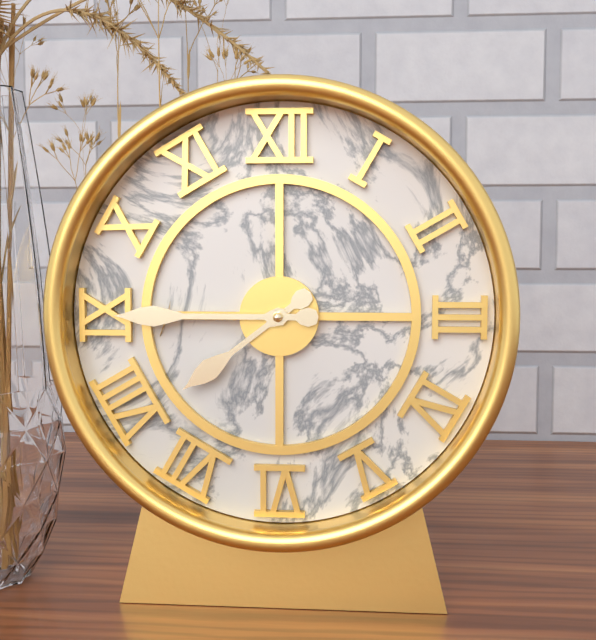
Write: 7h45
